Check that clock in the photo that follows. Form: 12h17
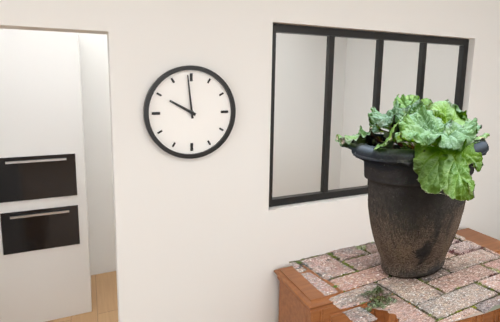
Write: 9h59
